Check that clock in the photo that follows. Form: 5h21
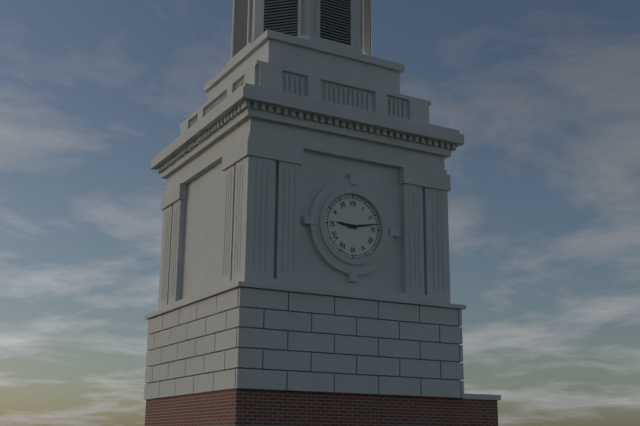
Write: 9h13
